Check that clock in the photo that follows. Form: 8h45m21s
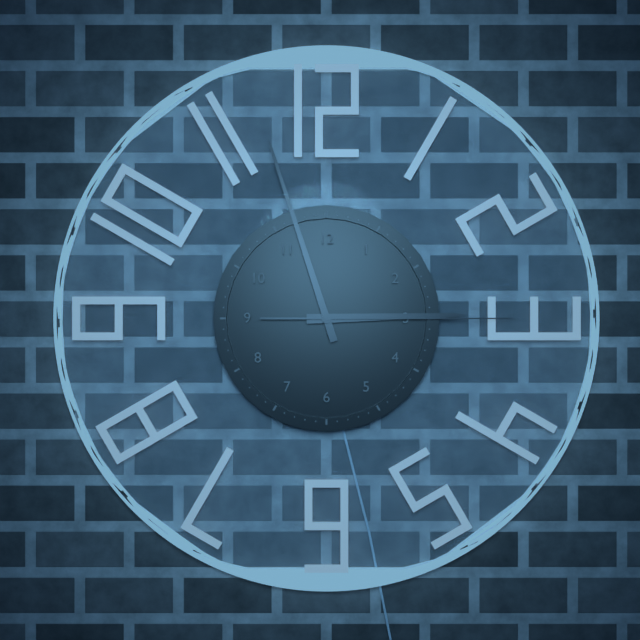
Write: 2h57m15s
